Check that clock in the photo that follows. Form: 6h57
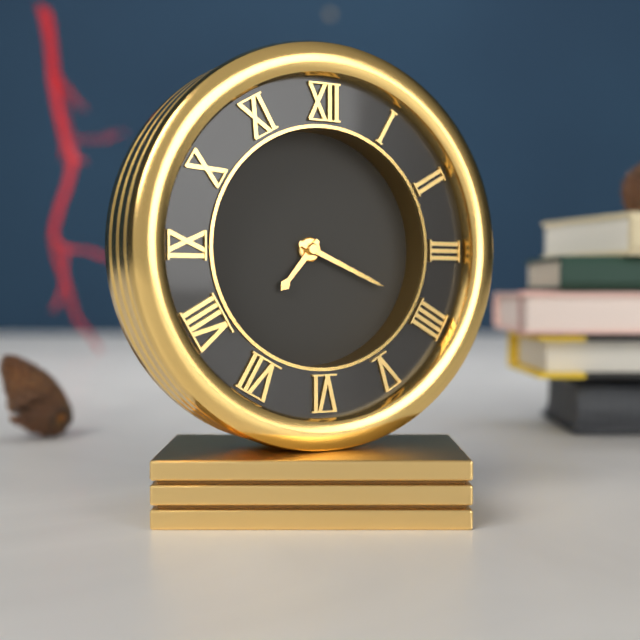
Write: 7h19
